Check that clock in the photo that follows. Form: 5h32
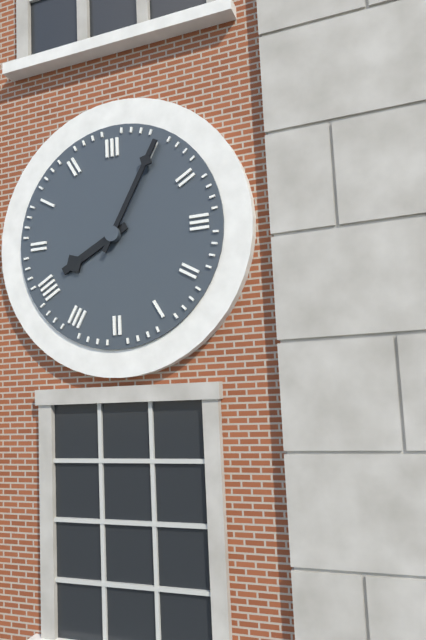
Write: 8h05
